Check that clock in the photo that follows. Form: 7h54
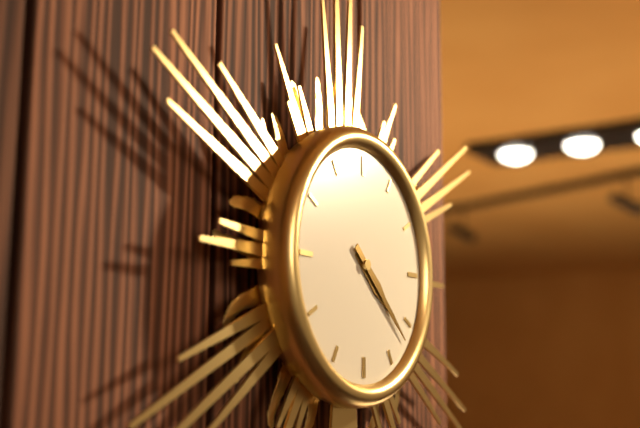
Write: 4h22
